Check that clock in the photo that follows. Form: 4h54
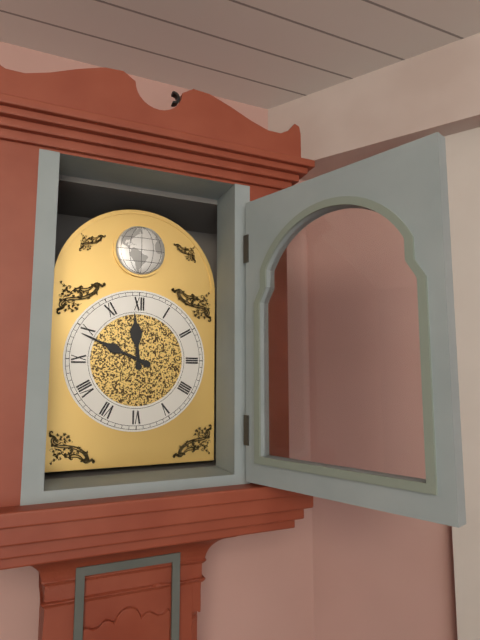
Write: 11h49
